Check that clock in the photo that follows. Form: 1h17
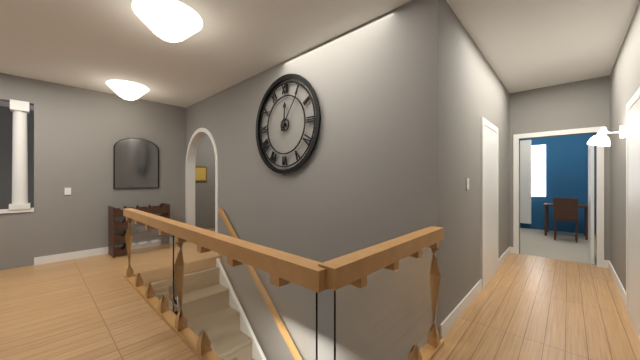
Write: 12h06
